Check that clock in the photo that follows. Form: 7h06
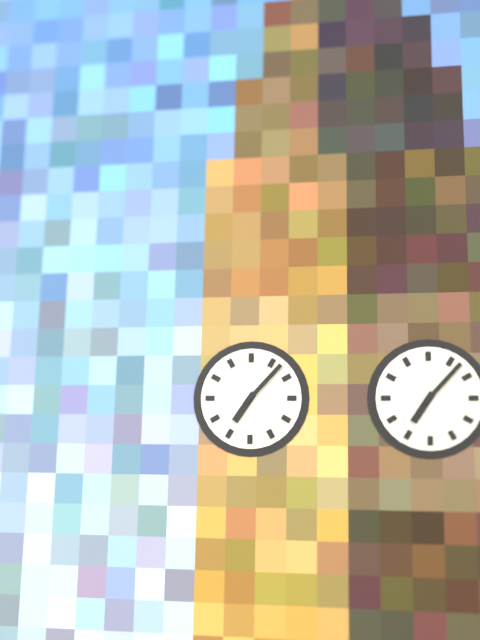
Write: 7h07
